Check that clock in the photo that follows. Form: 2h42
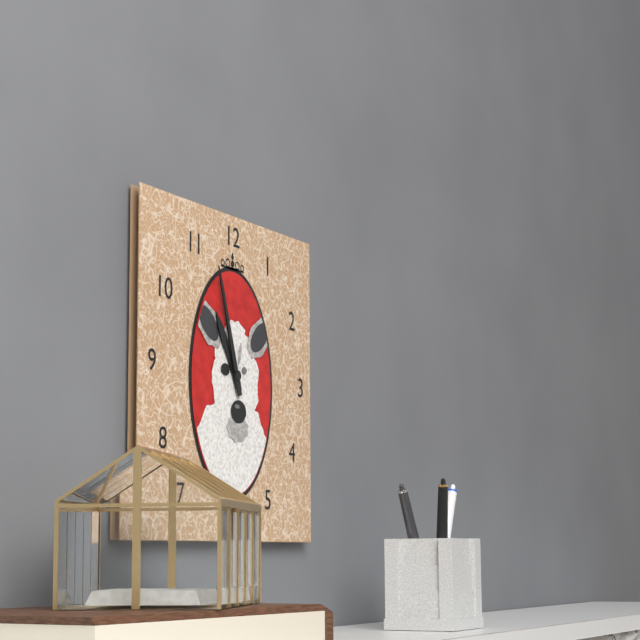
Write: 10h57
